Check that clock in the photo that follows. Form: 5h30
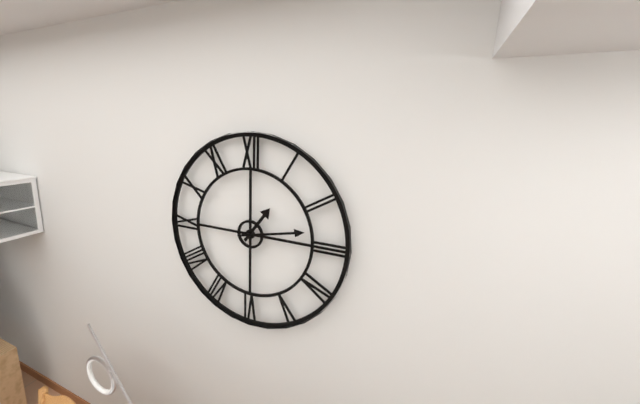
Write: 1h13
